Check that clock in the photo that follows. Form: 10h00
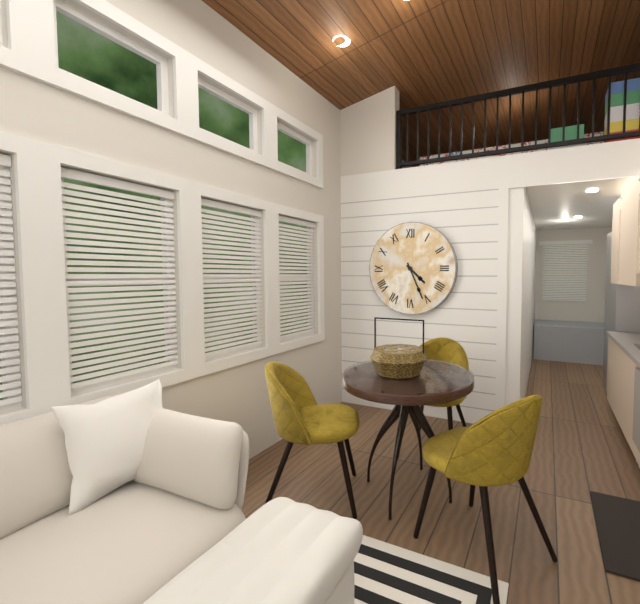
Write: 4h26
